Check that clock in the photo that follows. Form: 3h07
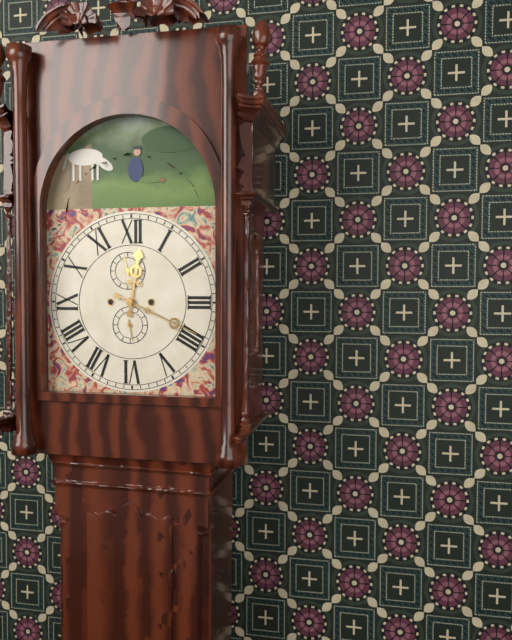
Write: 12h19
